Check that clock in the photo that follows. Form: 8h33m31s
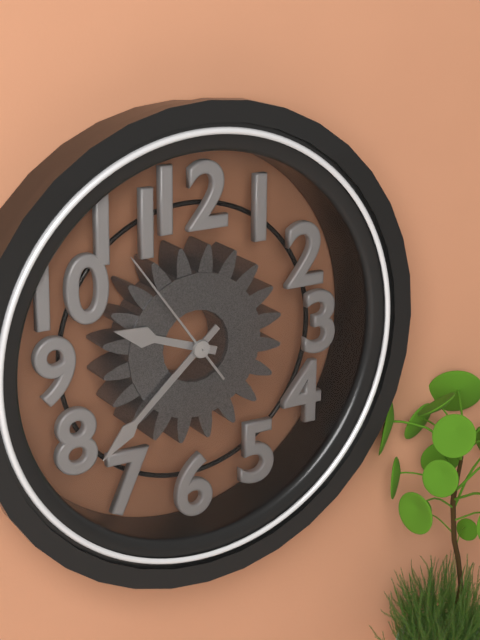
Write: 9h38m54s
